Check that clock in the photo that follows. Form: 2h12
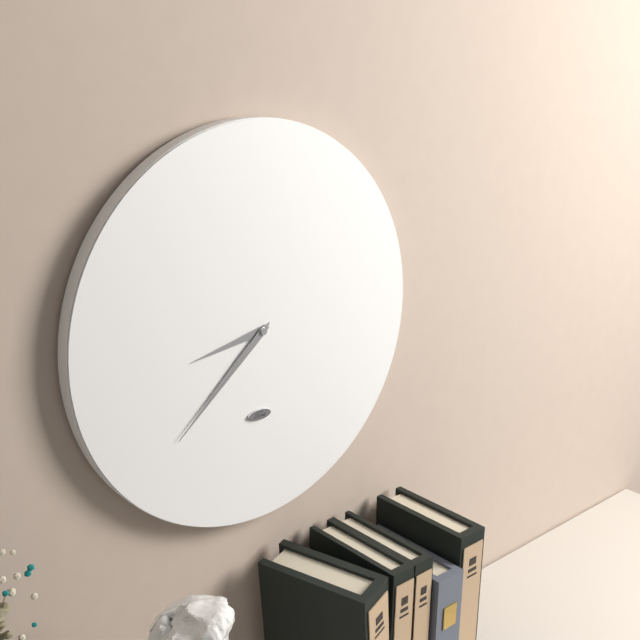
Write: 8h38
